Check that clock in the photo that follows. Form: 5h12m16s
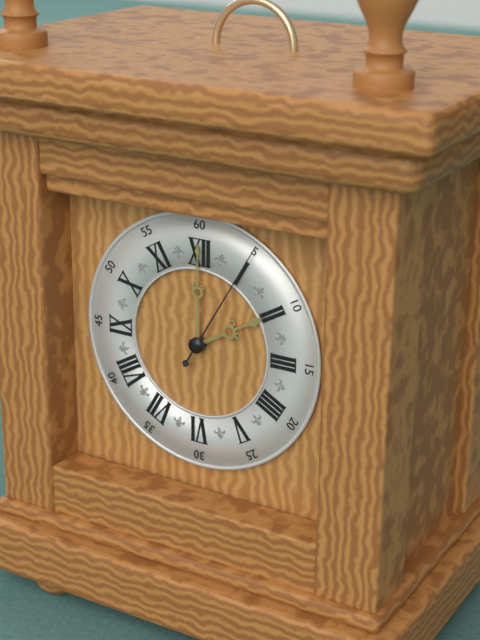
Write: 2h00m05s
